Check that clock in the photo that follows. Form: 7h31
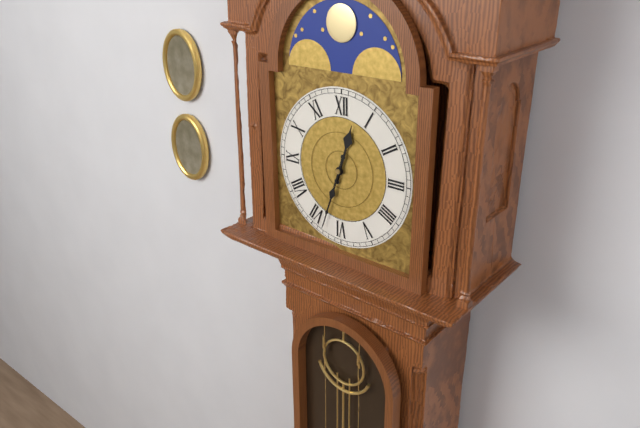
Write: 12h33
